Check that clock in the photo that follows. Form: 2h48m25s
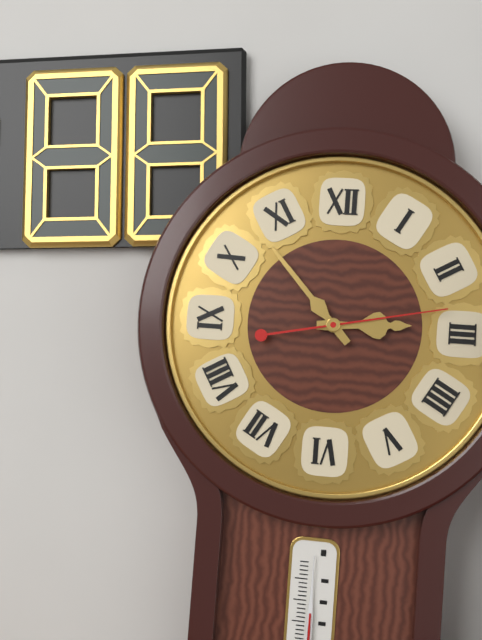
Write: 2h53m13s
